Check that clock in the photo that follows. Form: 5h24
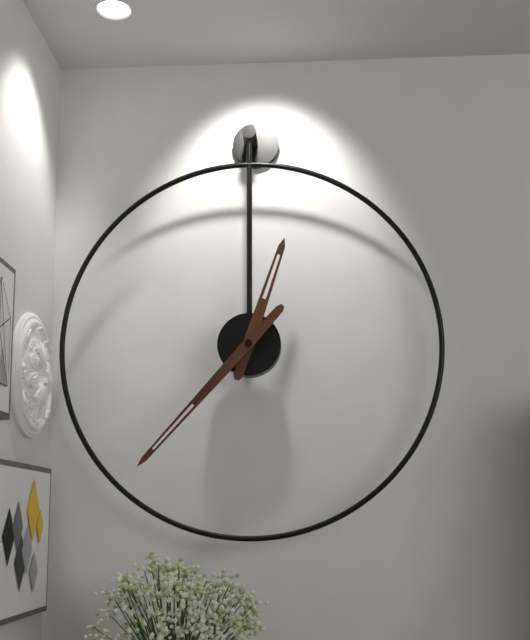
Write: 12h37
